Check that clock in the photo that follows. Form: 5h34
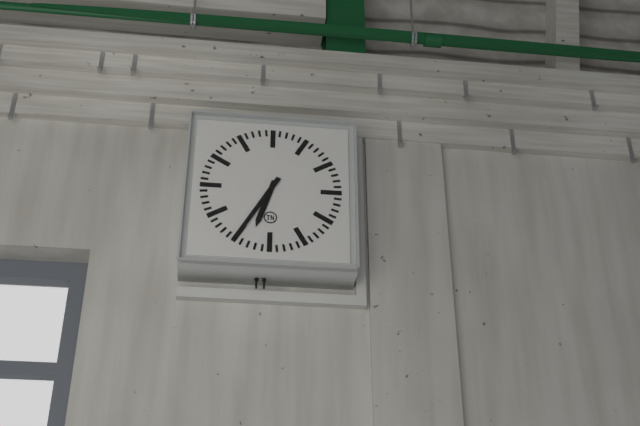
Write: 6h35
